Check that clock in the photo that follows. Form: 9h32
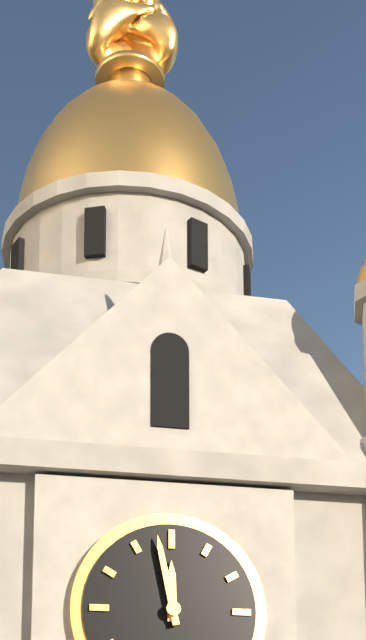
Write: 11h58
